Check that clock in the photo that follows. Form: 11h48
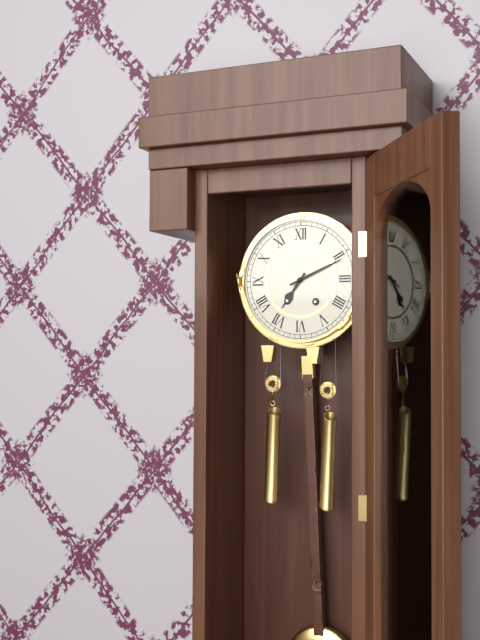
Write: 7h11
